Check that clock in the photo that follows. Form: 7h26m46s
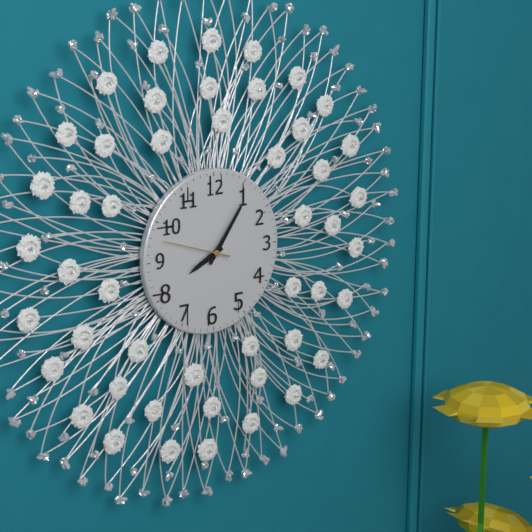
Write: 8h06m48s
